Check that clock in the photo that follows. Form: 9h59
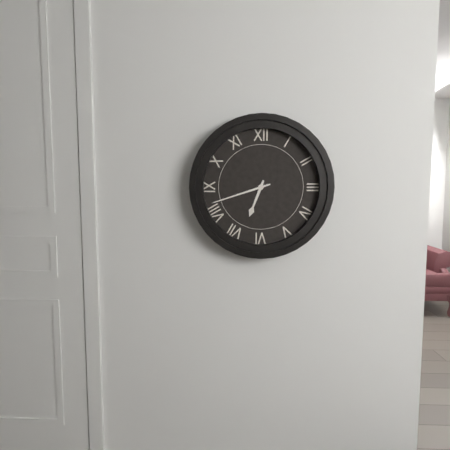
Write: 6h42
